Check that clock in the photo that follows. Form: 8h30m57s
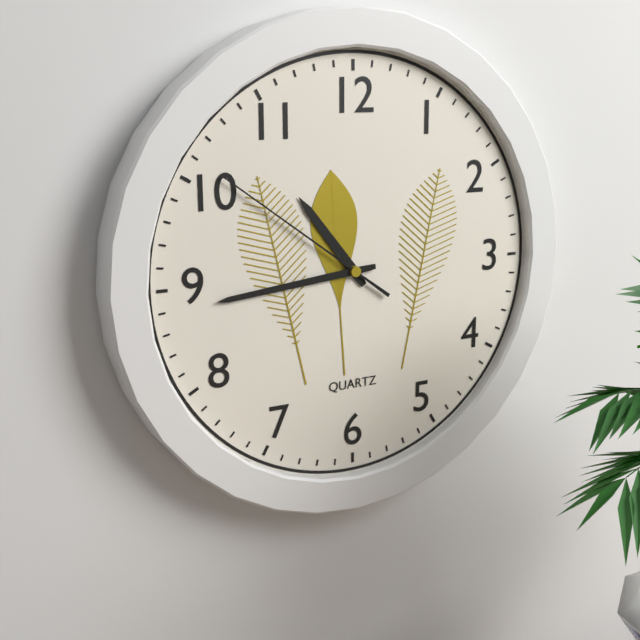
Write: 10h44m51s
